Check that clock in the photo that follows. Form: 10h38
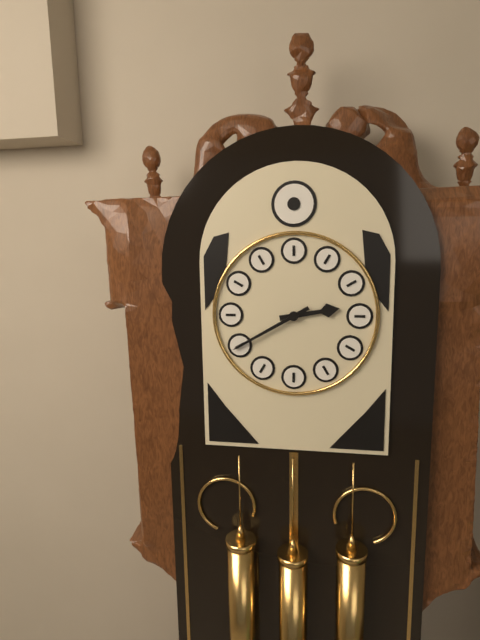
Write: 2h40
